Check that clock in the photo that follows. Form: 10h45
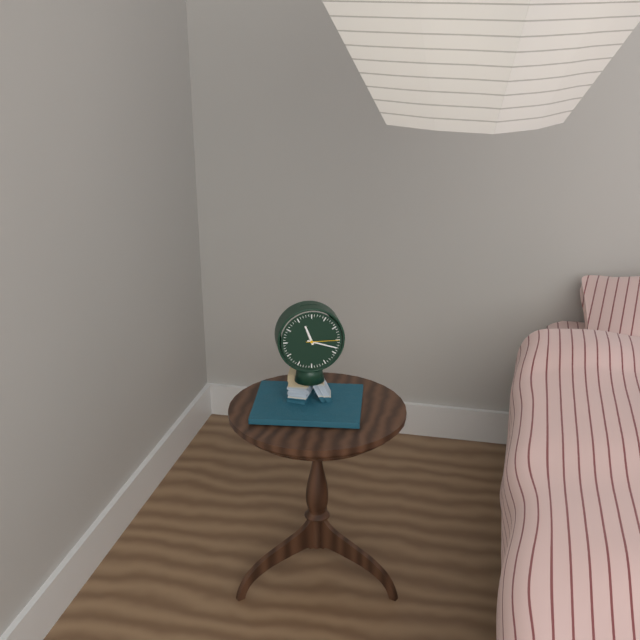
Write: 11h18
